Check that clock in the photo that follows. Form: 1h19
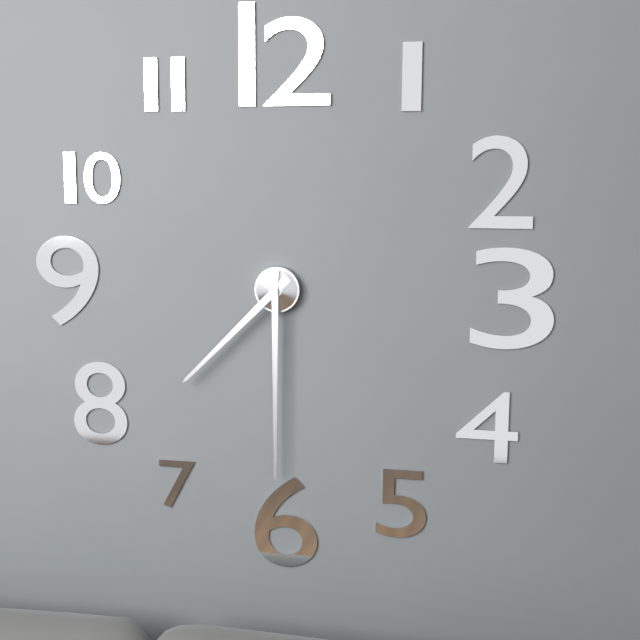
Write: 7h30
